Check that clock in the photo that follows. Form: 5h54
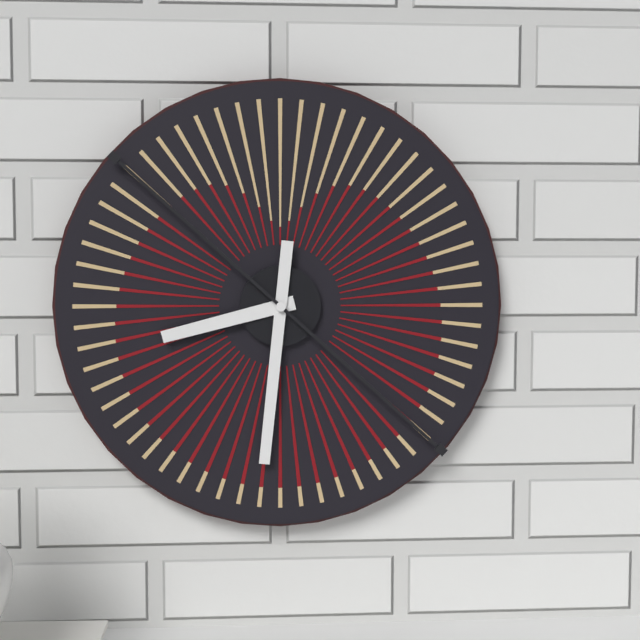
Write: 8h31
